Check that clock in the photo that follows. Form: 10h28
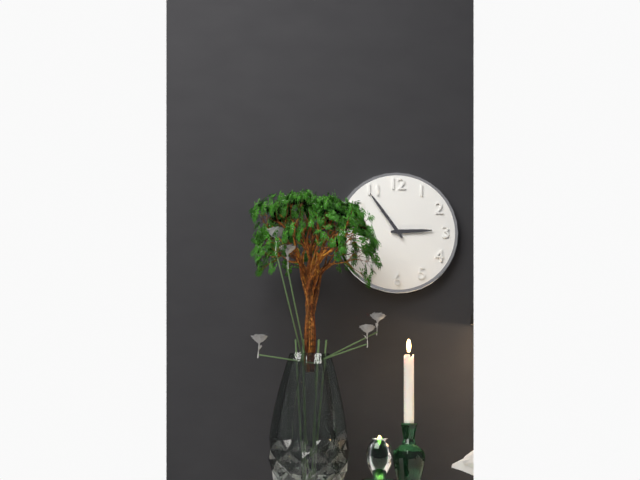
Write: 2h54
